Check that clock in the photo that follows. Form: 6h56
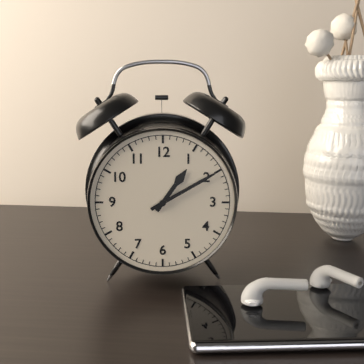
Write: 1h10
